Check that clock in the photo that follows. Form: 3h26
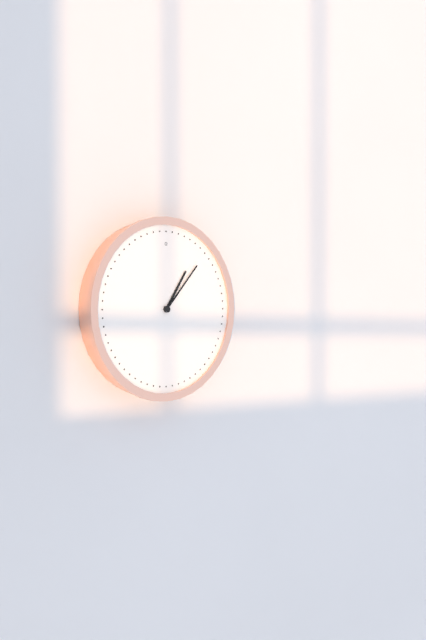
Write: 1h07
